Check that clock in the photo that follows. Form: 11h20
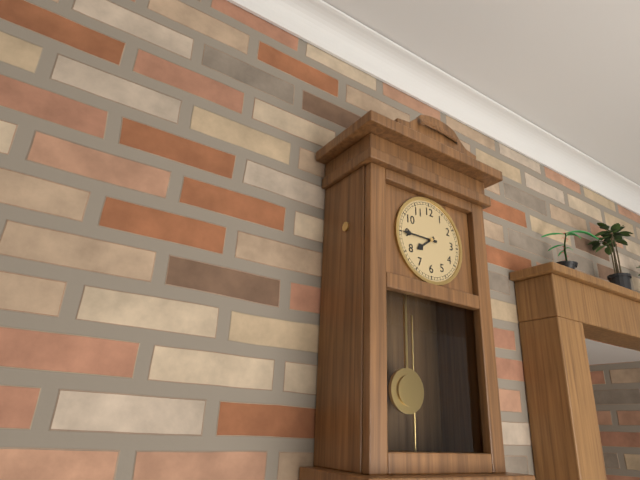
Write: 7h45
